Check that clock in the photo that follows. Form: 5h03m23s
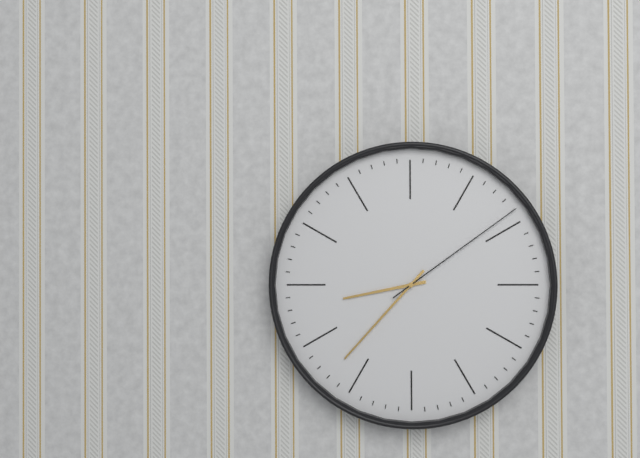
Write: 8h37m09s
